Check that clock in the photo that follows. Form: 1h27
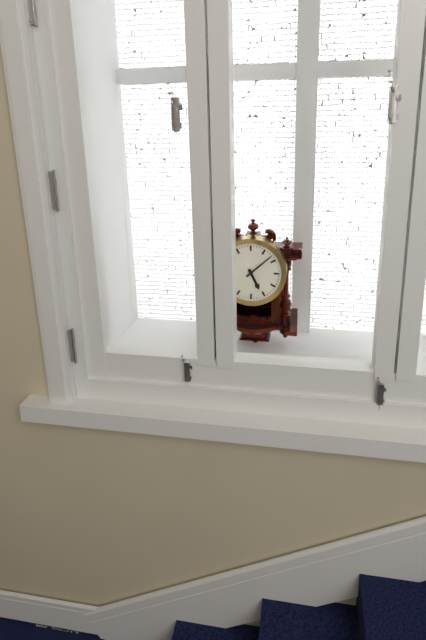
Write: 5h08
